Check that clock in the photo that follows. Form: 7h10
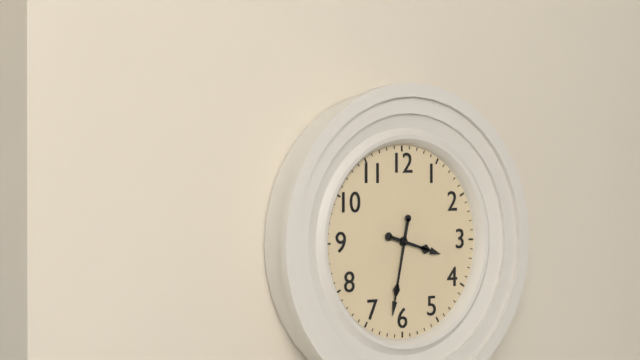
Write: 3h32
